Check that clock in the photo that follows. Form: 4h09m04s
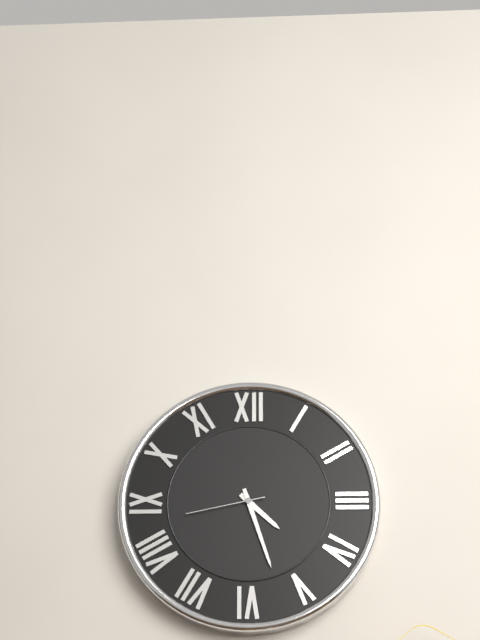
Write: 4h27m43s
